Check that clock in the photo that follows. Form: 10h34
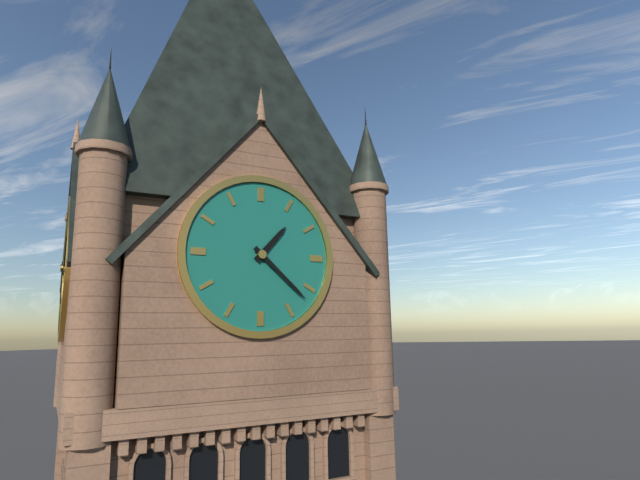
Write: 1h22
